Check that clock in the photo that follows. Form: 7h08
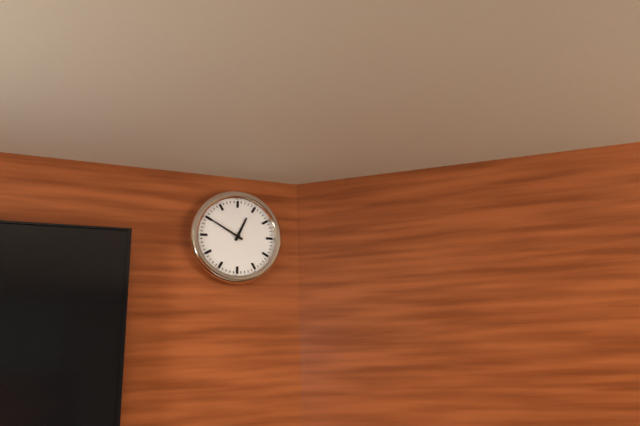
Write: 12h50
